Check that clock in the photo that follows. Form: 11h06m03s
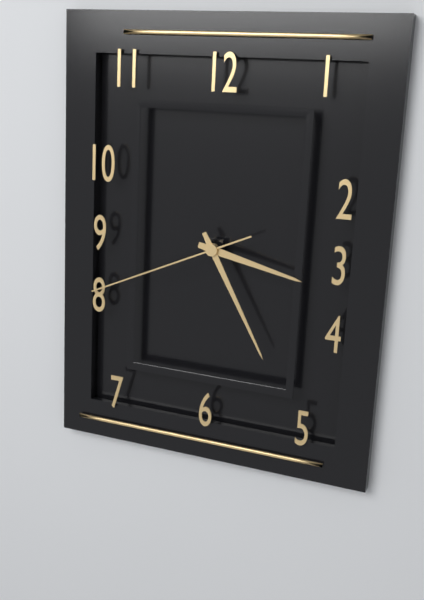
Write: 3h25m41s
